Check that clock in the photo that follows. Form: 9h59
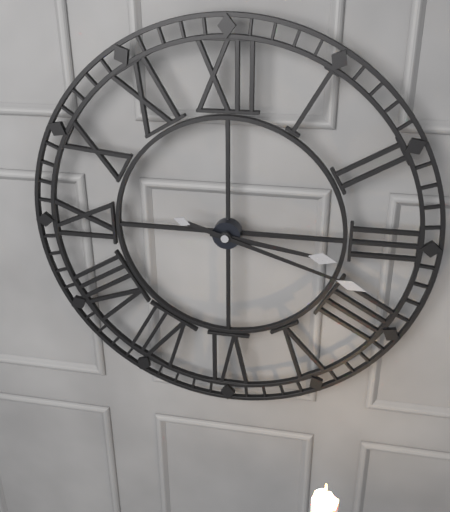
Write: 3h18
